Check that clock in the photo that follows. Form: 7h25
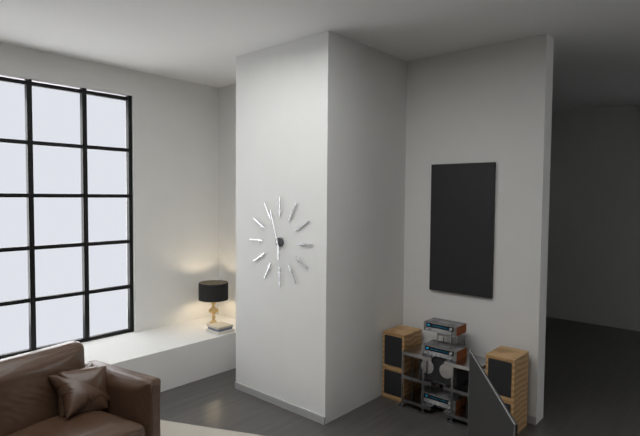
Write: 5h57
